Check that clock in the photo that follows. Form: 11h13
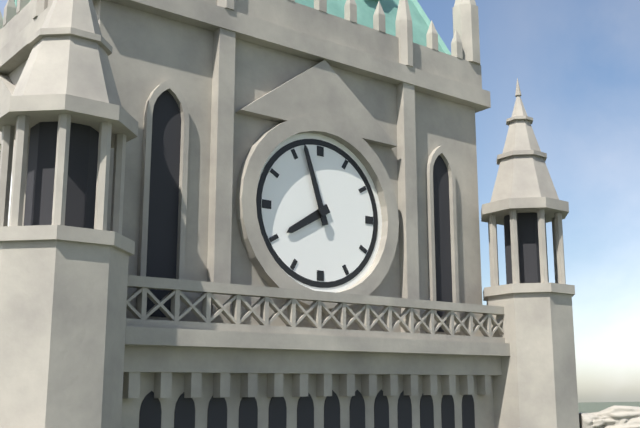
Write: 7h57
